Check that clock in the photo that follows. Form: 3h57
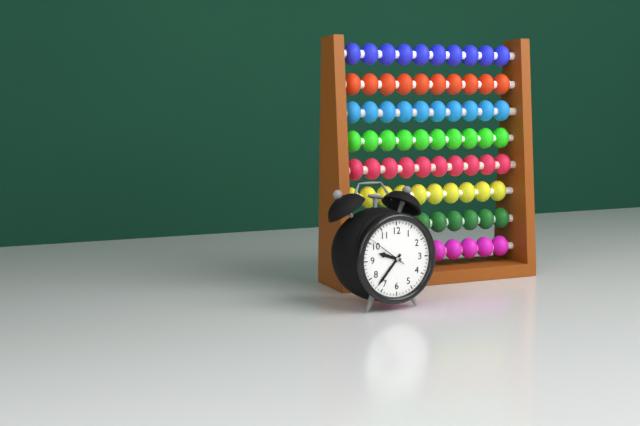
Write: 9h37
